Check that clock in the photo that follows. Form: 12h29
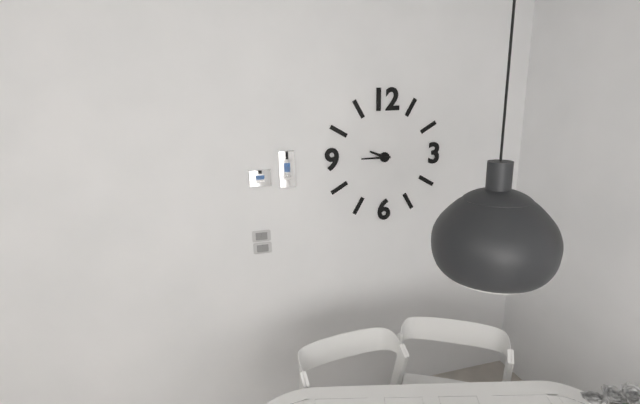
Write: 9h45
